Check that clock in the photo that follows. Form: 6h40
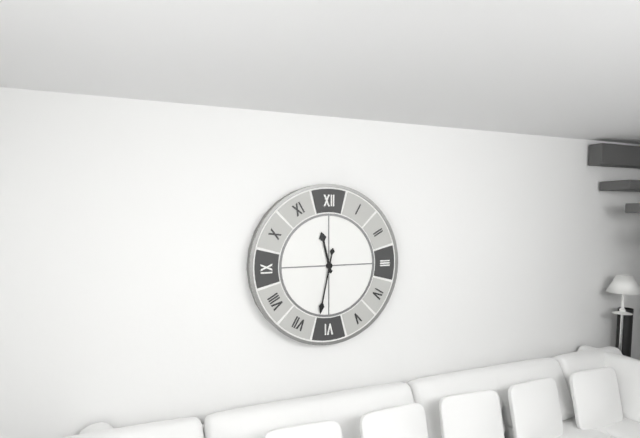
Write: 11h32
